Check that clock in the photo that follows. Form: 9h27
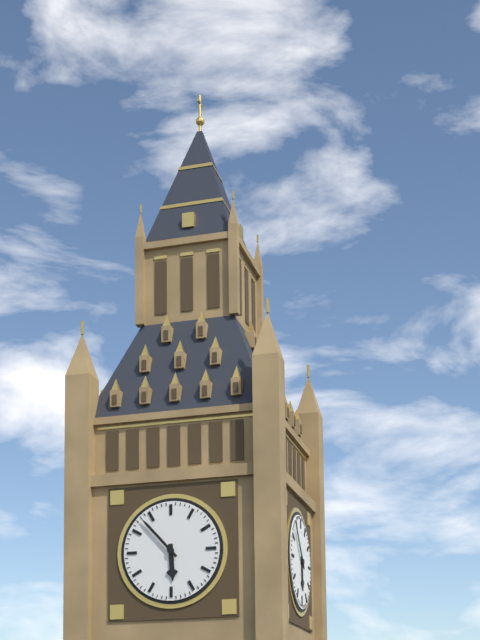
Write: 5h53
